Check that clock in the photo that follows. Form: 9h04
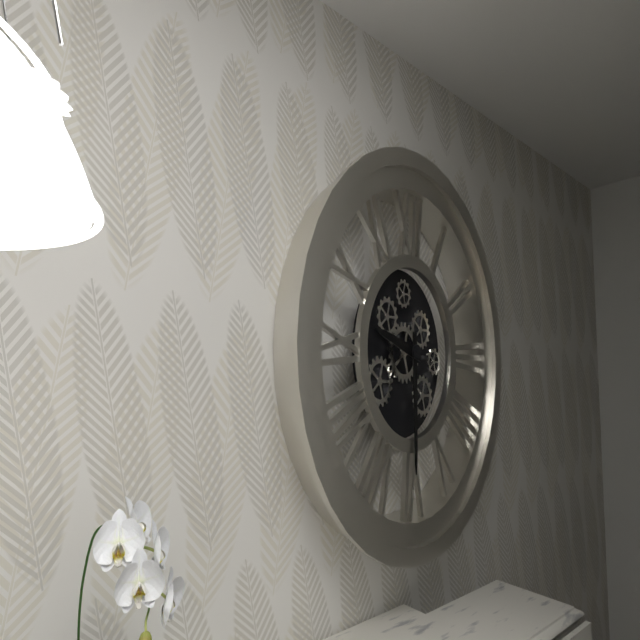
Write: 9h30
